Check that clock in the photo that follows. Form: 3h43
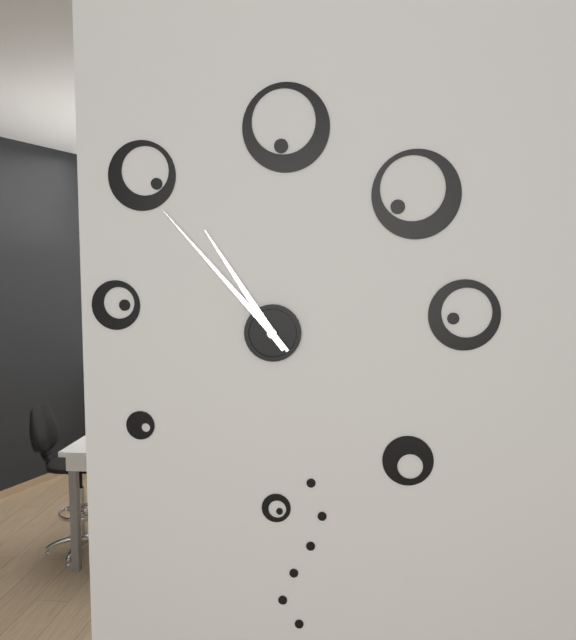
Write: 10h53
